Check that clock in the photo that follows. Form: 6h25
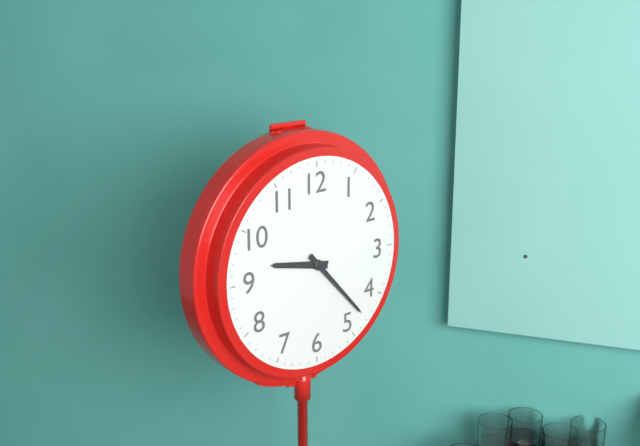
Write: 9h23
